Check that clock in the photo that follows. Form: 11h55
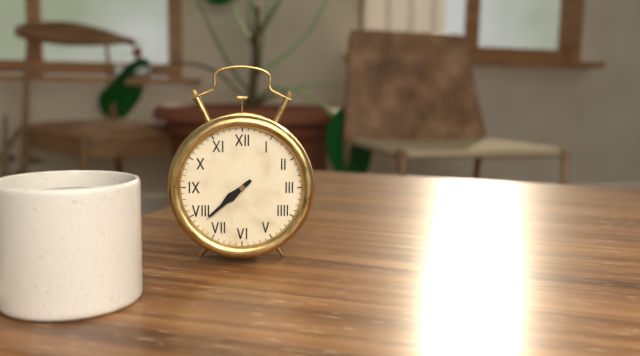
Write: 7h38
